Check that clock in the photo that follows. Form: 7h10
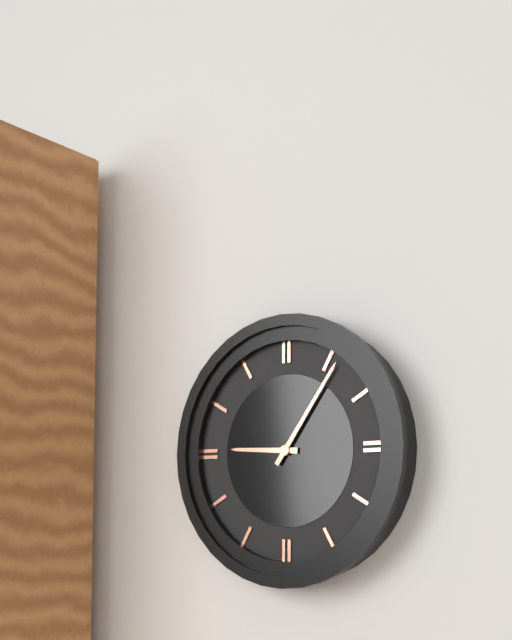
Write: 9h06
